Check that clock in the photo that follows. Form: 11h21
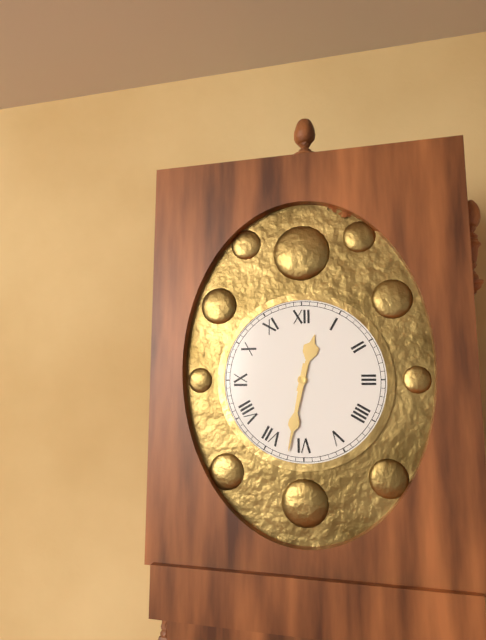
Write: 12h32
